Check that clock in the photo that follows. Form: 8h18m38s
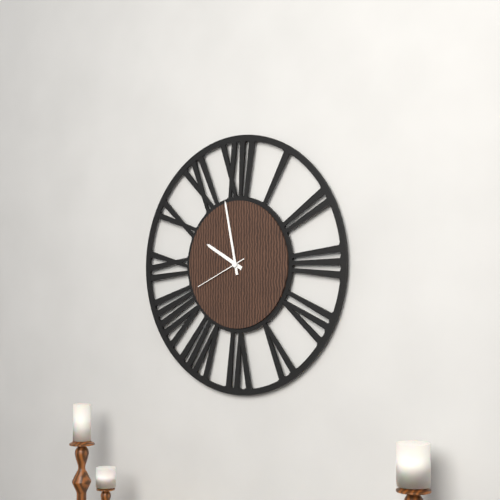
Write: 9h58m41s
